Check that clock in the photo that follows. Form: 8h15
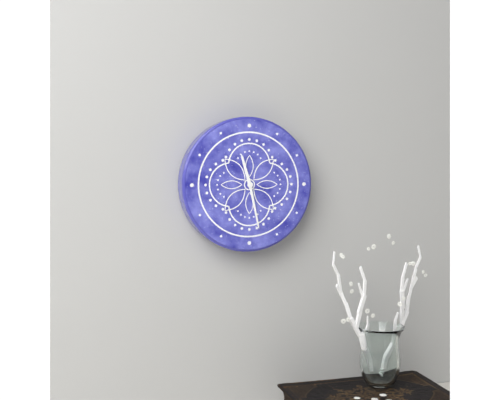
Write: 11h28
